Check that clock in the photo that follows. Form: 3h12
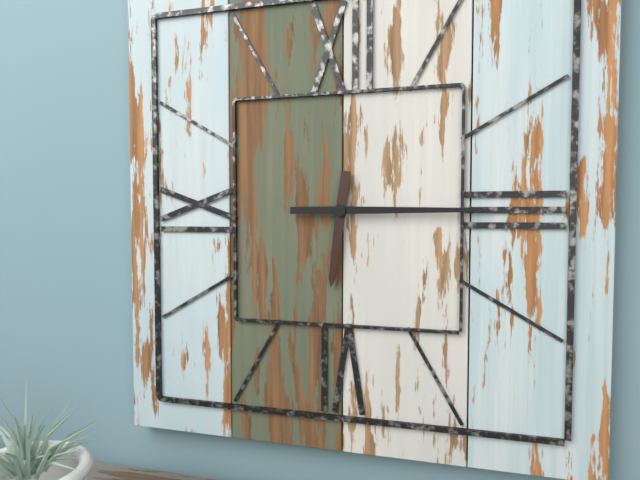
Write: 6h15
